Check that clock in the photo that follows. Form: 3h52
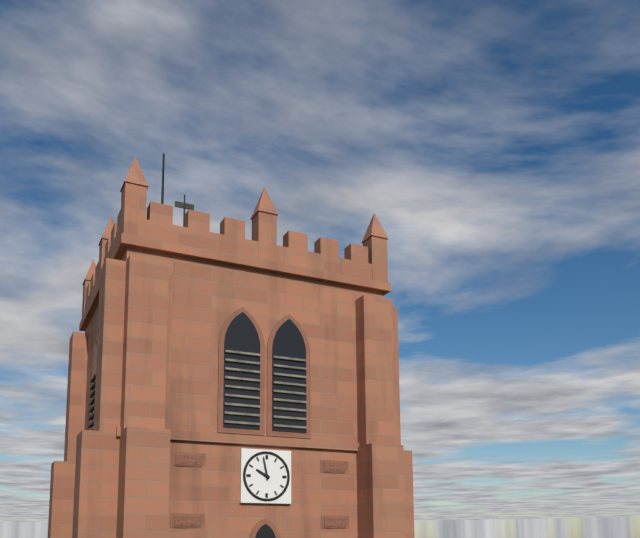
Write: 9h58
